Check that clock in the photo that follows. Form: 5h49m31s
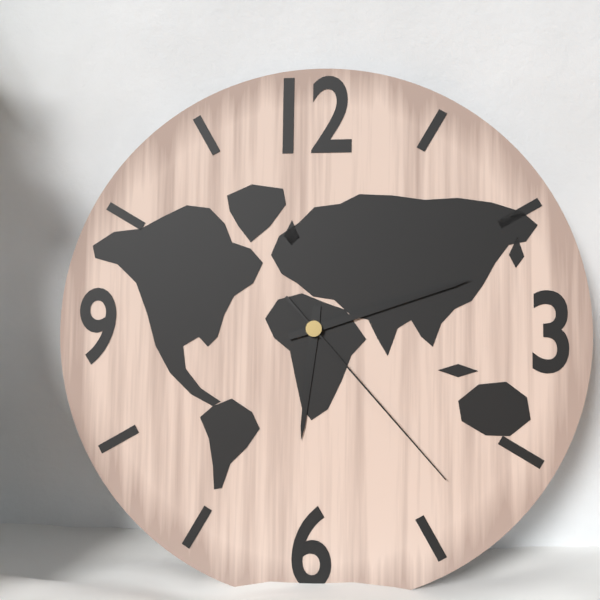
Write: 6h12m23s
